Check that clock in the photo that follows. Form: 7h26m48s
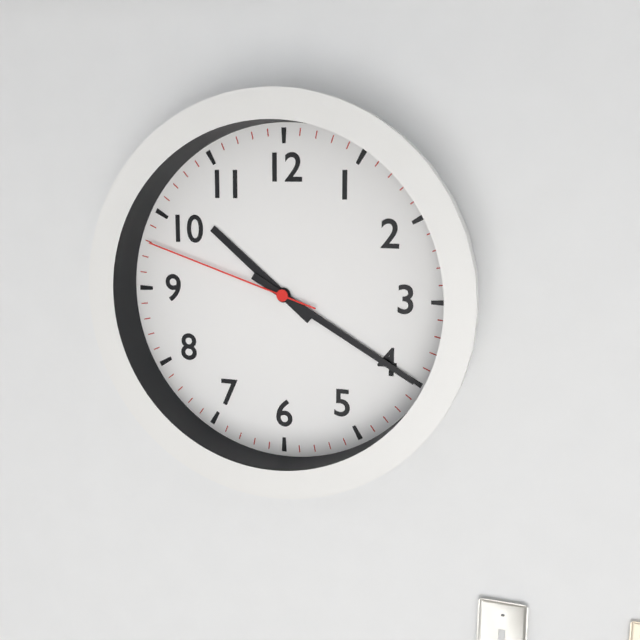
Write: 10h20m48s
